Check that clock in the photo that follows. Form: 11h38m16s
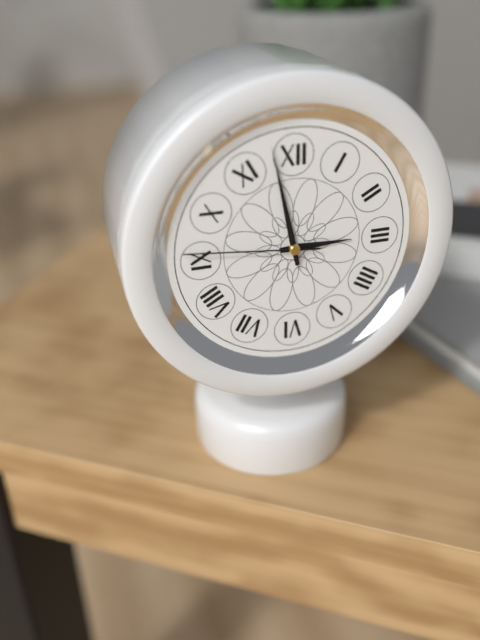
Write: 2h58m46s
